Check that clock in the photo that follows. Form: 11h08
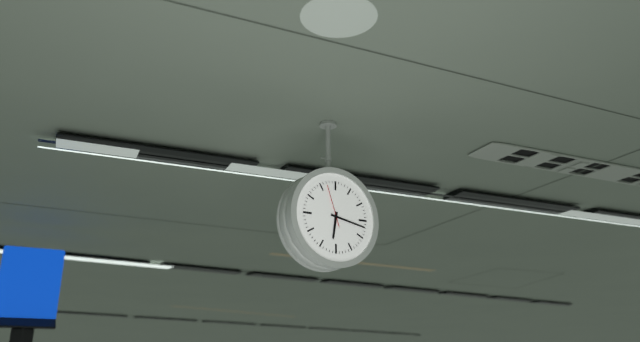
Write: 6h17
